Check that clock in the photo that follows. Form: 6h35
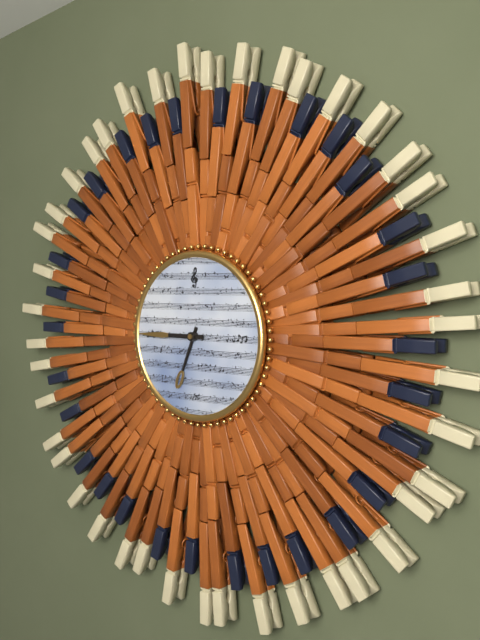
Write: 6h45
